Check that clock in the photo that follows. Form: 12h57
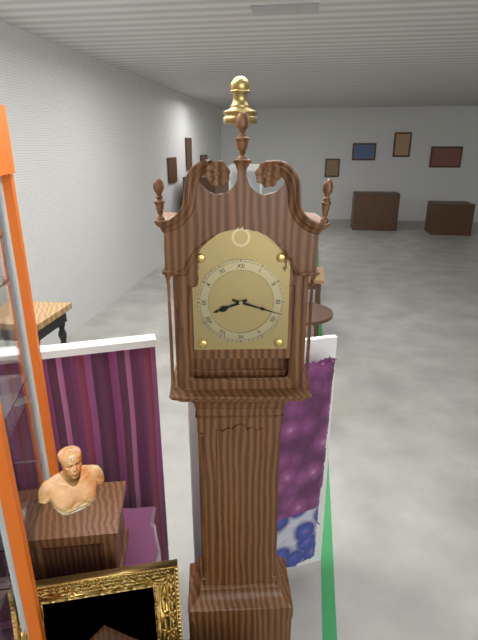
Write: 8h18
